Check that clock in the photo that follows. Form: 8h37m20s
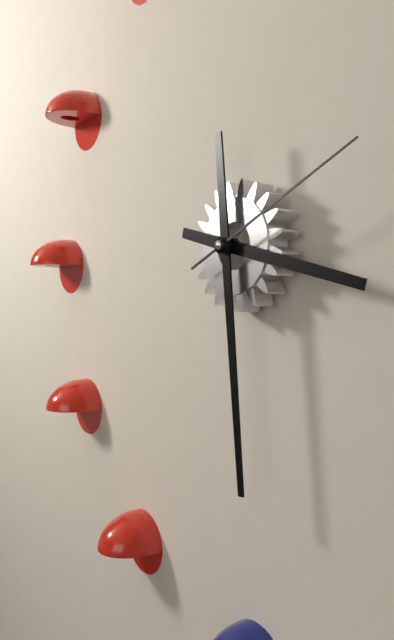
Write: 3h29m11s
